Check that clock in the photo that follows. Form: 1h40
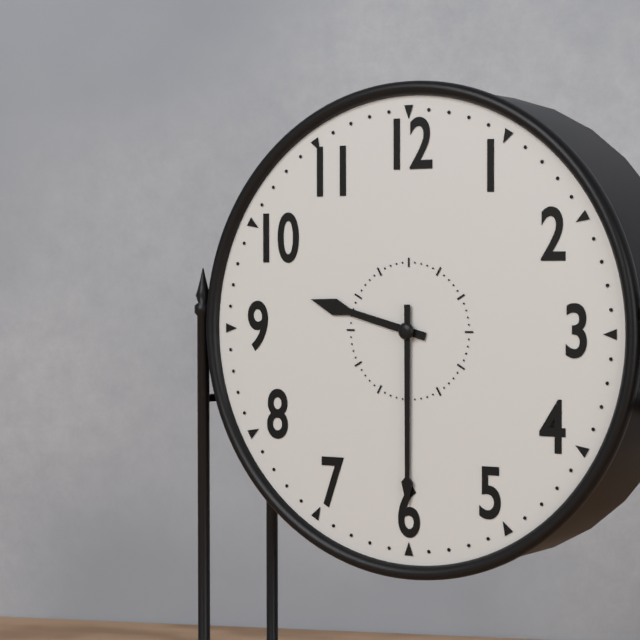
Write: 9h30
